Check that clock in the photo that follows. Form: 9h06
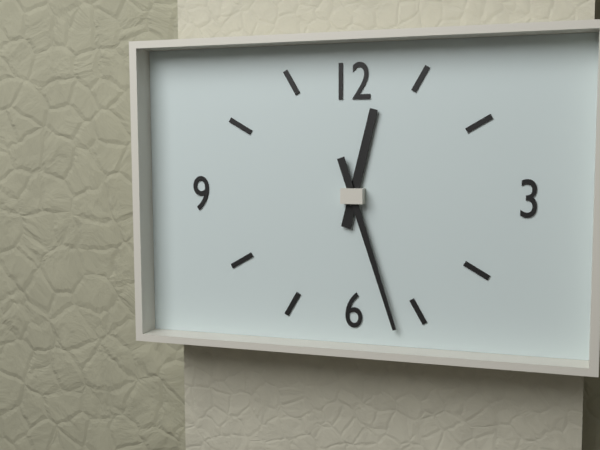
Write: 12h27
